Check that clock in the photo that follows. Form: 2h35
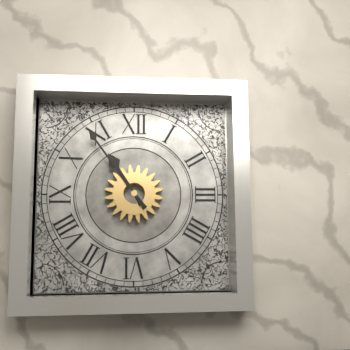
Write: 10h54
